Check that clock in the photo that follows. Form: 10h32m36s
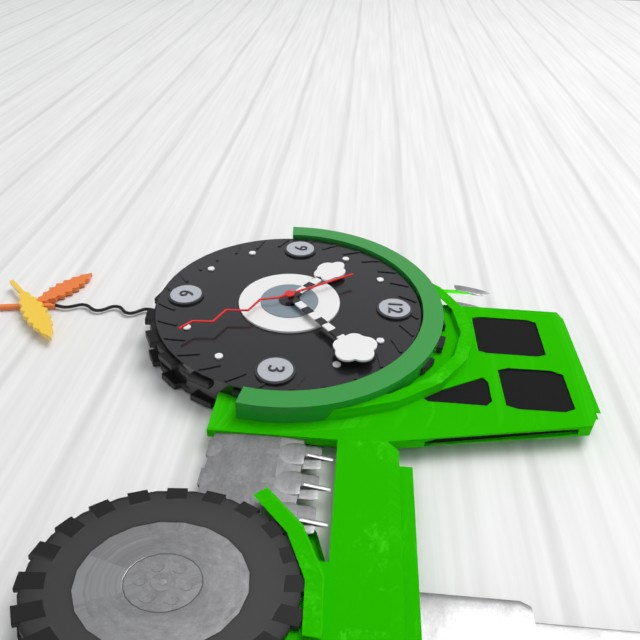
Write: 10h08m24s
